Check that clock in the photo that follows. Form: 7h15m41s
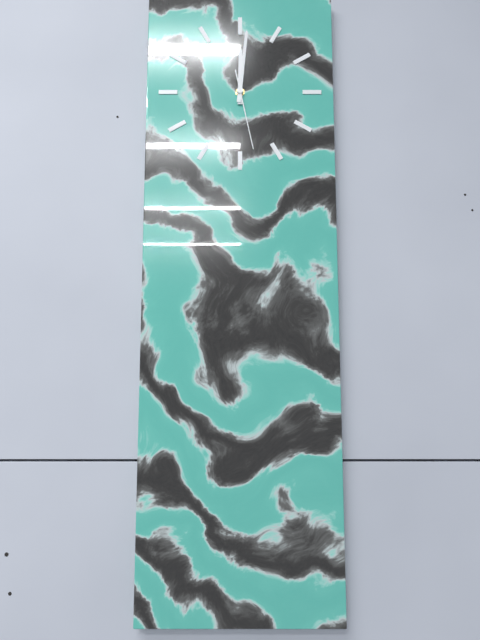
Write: 12h01m28s
